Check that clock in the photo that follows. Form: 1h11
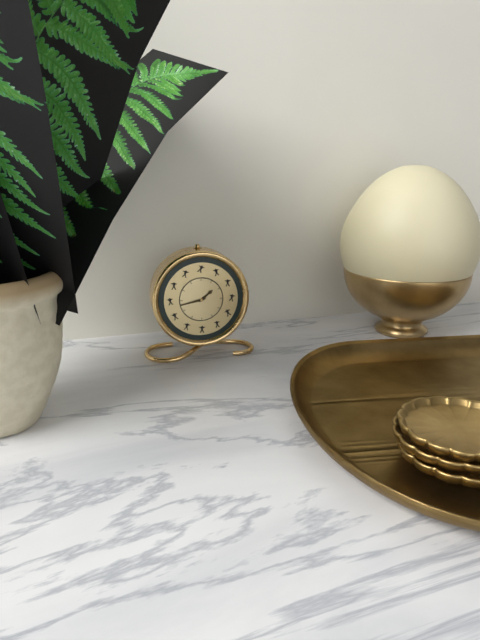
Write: 1h43
